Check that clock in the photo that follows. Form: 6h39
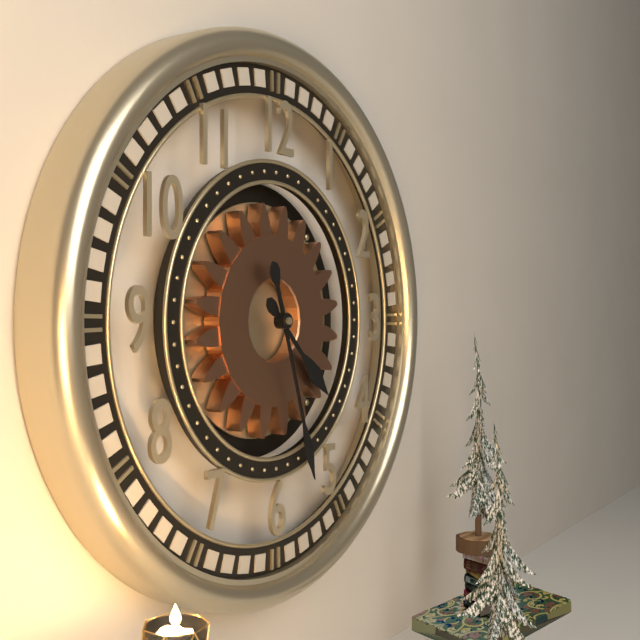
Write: 4h27
